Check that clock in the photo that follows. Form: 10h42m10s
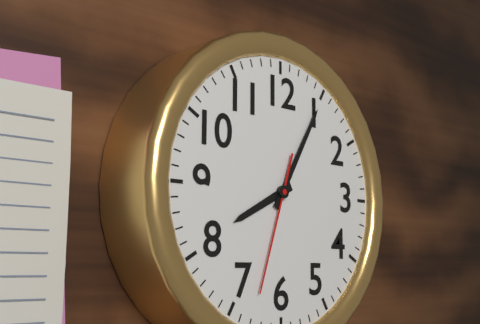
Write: 8h05m33s
